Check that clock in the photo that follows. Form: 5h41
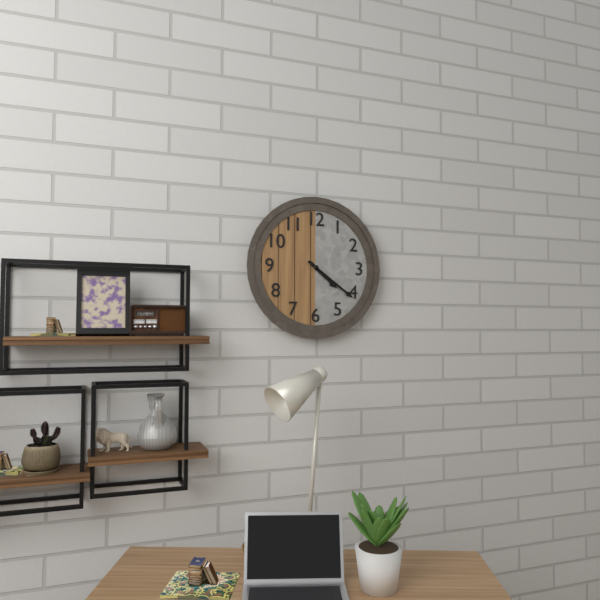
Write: 4h21
